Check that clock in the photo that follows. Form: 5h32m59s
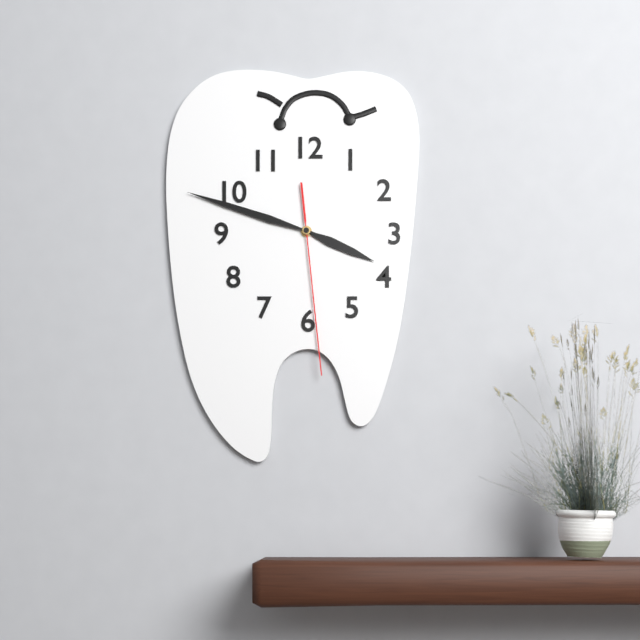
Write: 3h48m29s
